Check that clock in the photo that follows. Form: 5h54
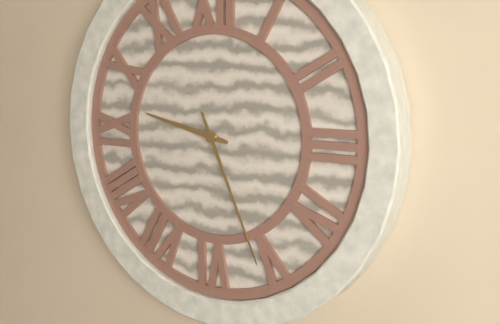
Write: 9h26
